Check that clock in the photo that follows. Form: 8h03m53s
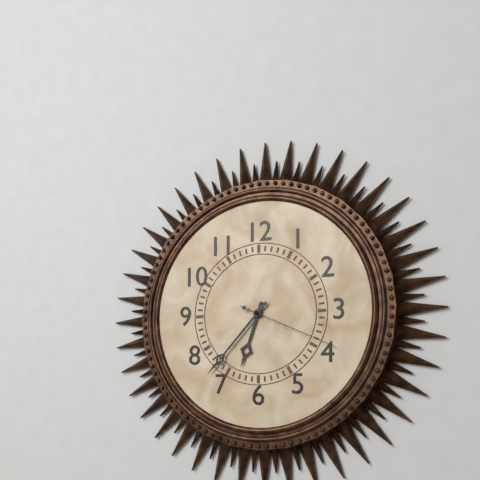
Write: 6h37m19s
